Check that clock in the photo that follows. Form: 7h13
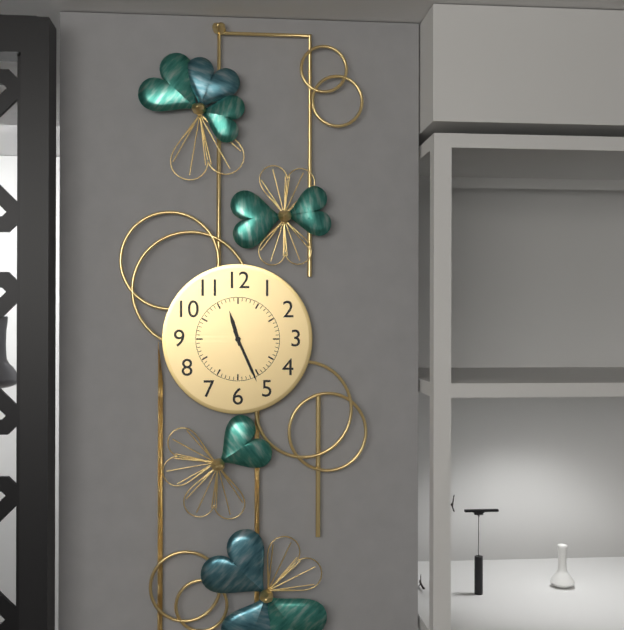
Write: 11h26
